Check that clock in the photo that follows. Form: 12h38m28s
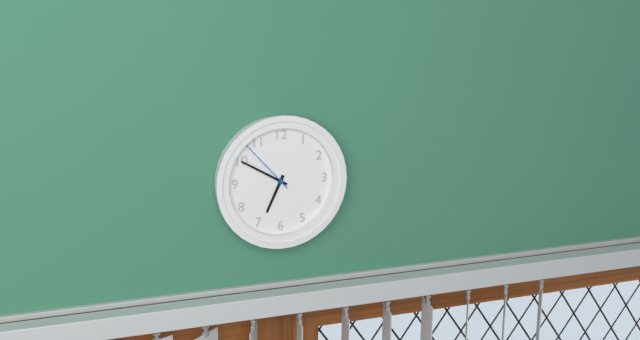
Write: 6h50m53s
